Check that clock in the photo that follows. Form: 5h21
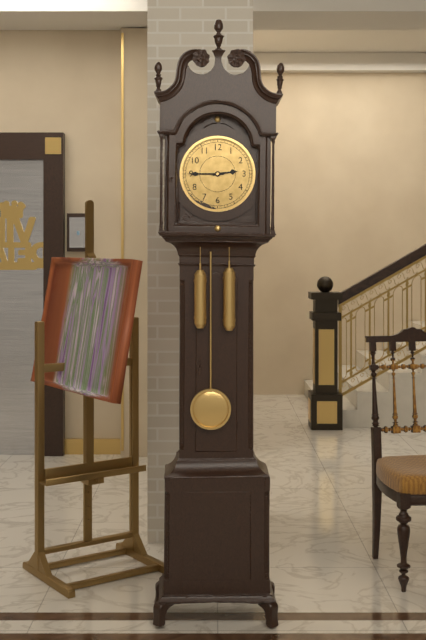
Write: 2h45
